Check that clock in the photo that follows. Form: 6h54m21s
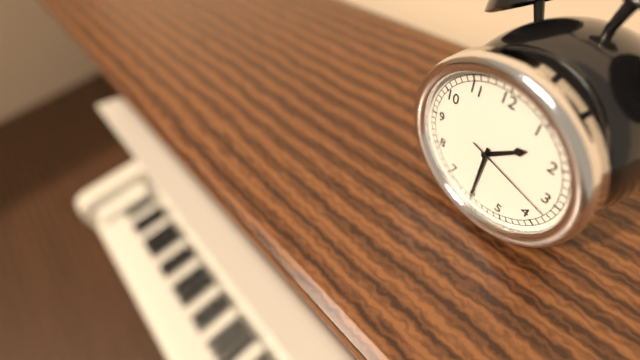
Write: 1h30m17s
